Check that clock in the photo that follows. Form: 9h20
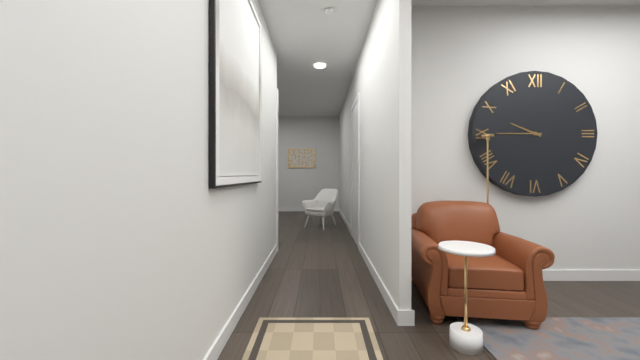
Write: 9h45
